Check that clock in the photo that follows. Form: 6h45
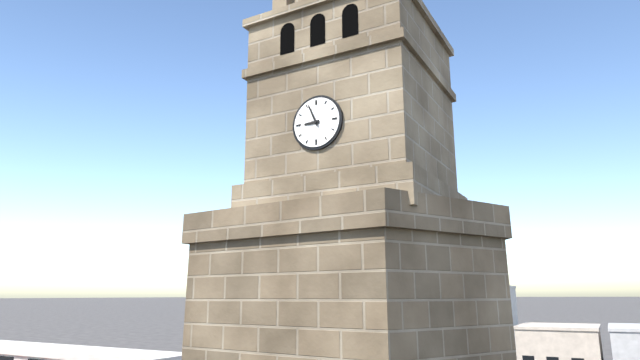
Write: 8h56
